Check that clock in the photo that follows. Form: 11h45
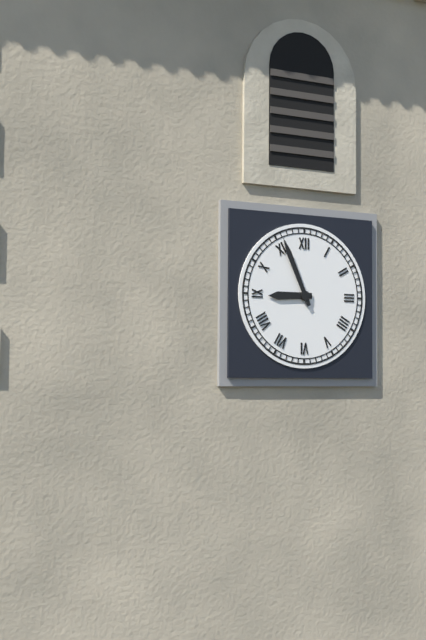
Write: 8h56
